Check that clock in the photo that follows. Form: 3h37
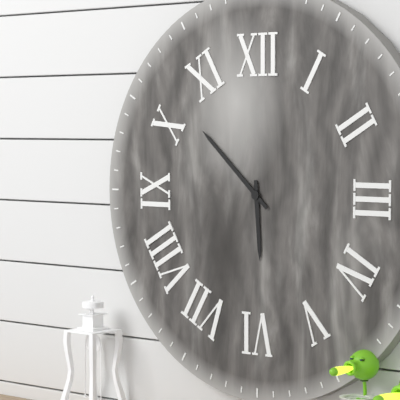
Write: 5h52
